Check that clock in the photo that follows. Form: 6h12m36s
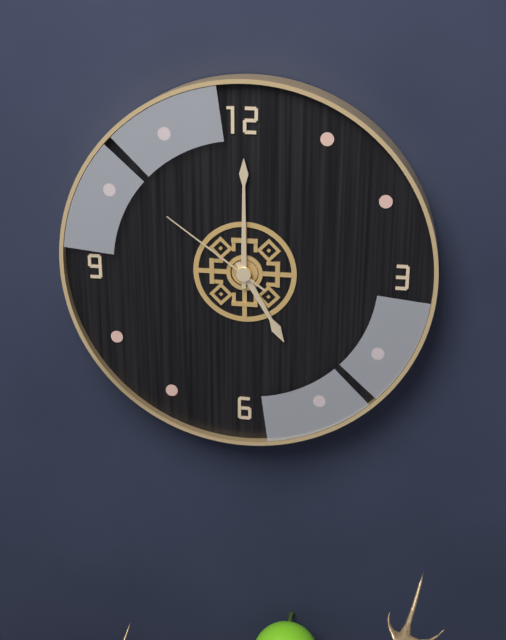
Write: 5h00m51s
